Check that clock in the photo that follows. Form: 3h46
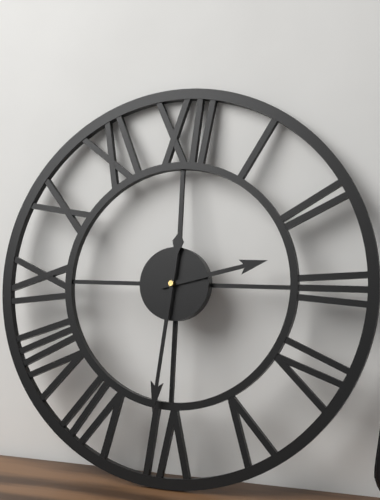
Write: 2h31
